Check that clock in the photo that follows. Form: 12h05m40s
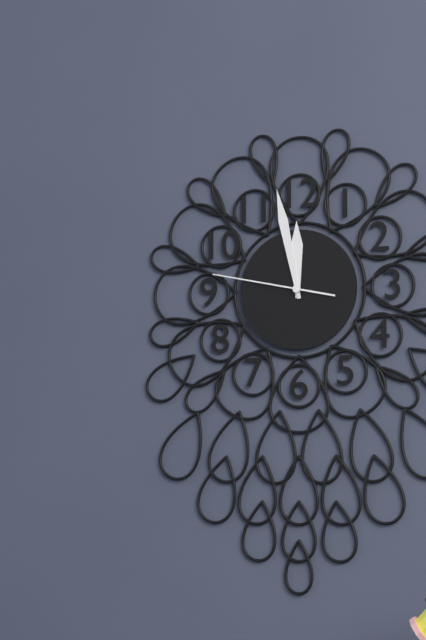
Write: 11h58m47s
